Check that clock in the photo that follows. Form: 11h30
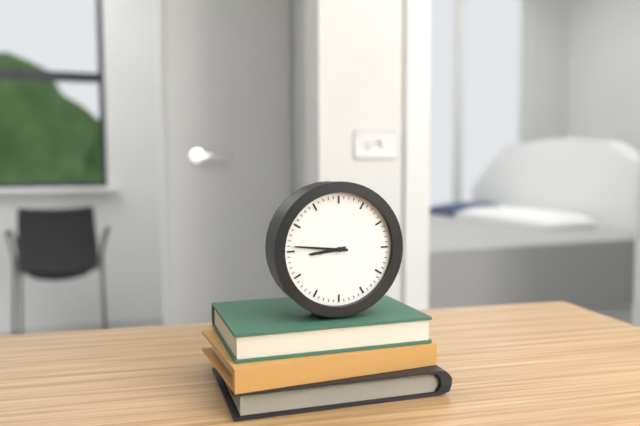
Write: 8h46
